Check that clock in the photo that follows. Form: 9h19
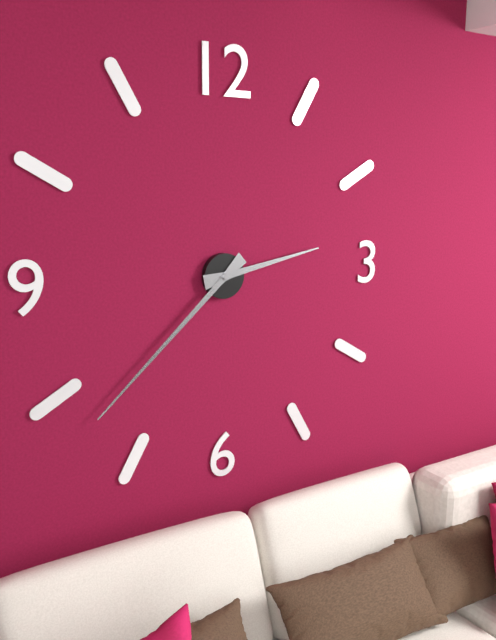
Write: 2h38
